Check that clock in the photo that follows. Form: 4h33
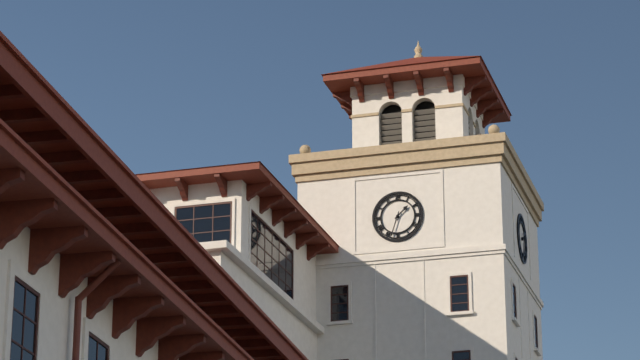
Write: 1h33
